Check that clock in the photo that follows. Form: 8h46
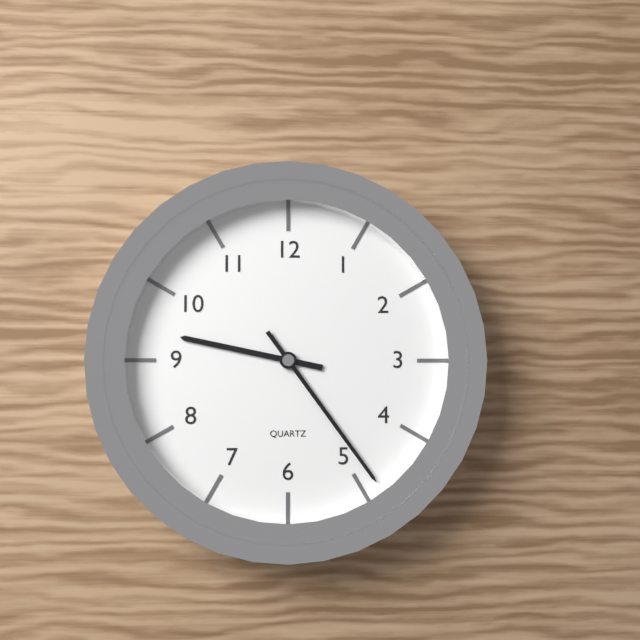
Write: 9h24
